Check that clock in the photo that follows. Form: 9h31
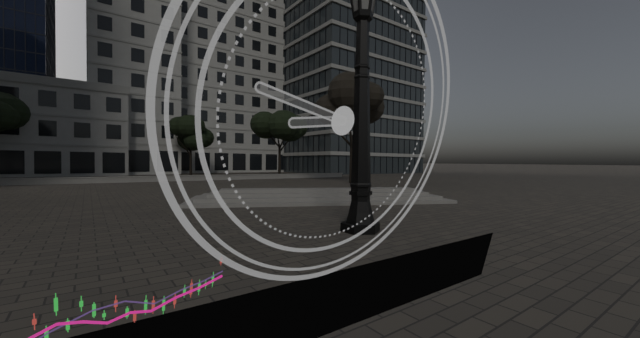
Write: 8h47
